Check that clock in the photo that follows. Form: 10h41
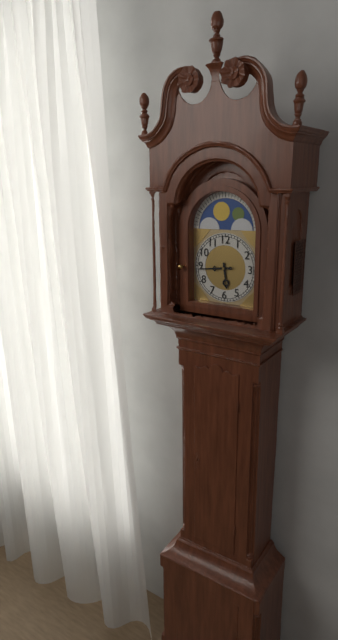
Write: 5h44
